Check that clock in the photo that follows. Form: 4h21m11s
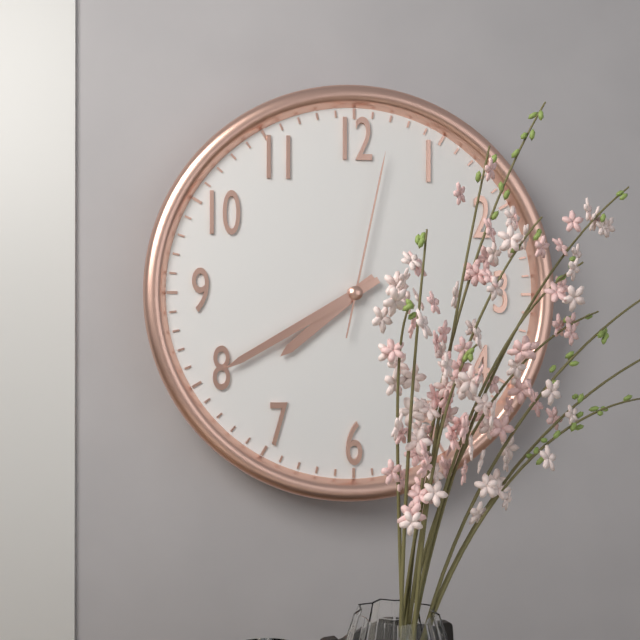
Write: 7h40m02s
